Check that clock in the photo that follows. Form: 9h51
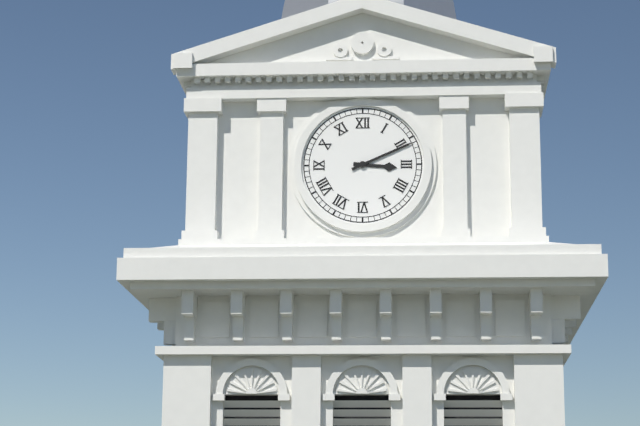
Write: 3h11
